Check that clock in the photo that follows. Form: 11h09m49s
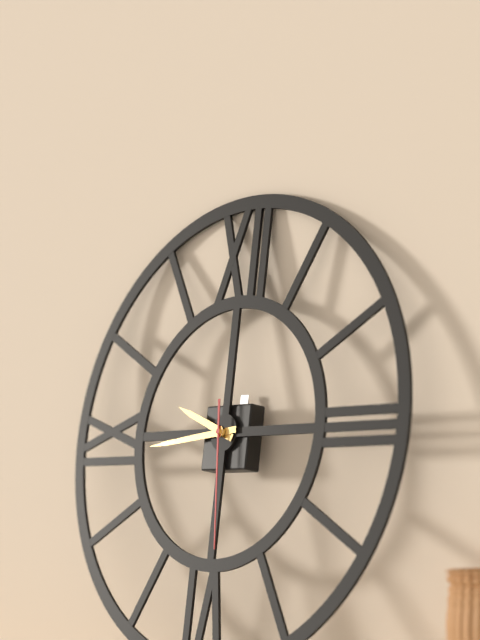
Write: 9h44m29s
